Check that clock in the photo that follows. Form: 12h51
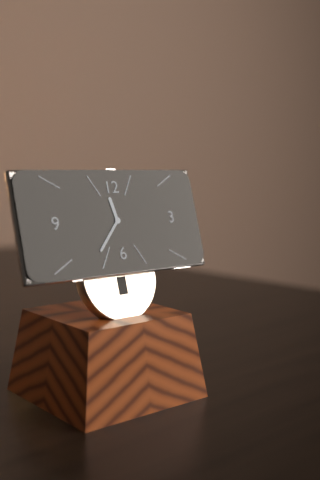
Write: 11h37
